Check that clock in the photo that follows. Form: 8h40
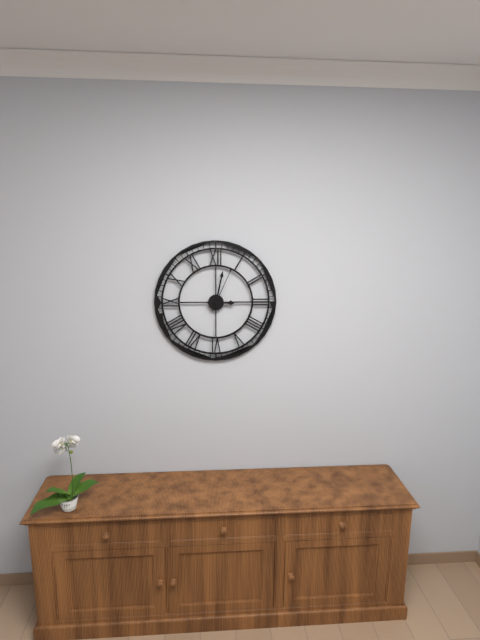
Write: 3h02
